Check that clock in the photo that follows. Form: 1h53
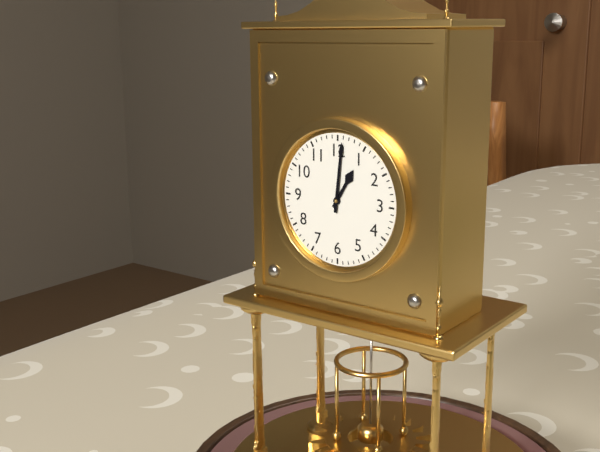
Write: 1h01
